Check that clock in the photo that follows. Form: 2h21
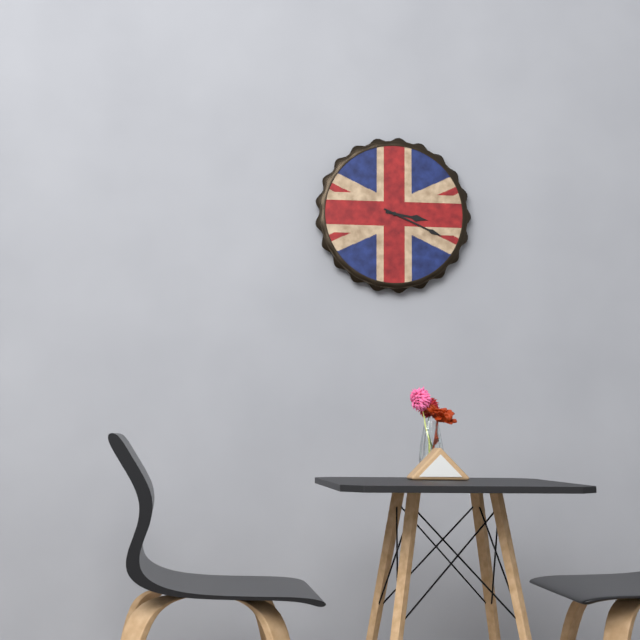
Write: 3h19
